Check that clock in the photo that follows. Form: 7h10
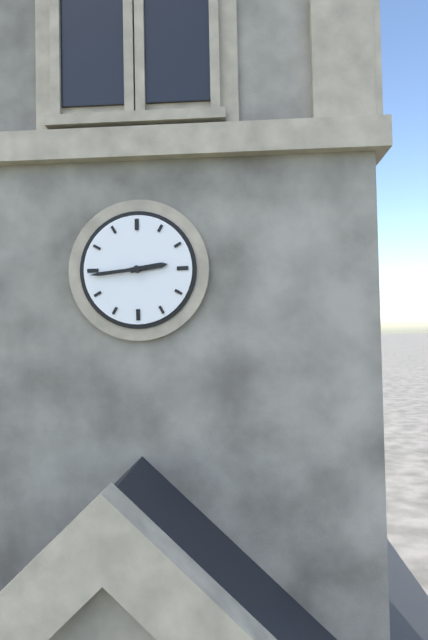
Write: 2h44
